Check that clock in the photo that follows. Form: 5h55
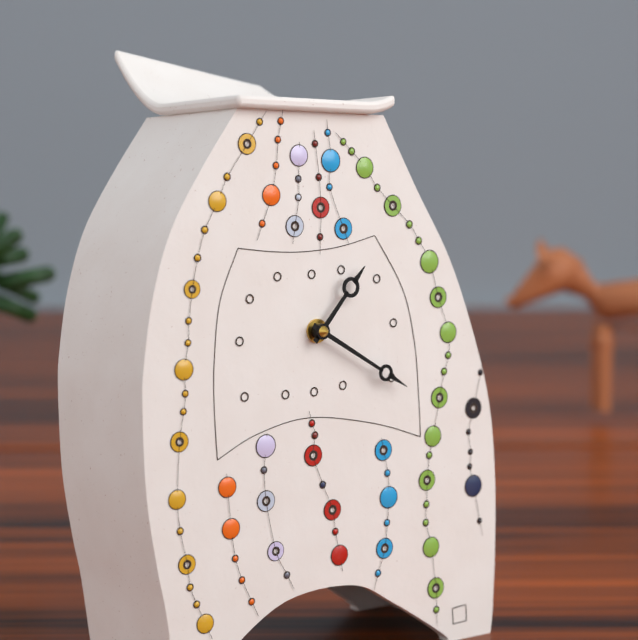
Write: 1h20
